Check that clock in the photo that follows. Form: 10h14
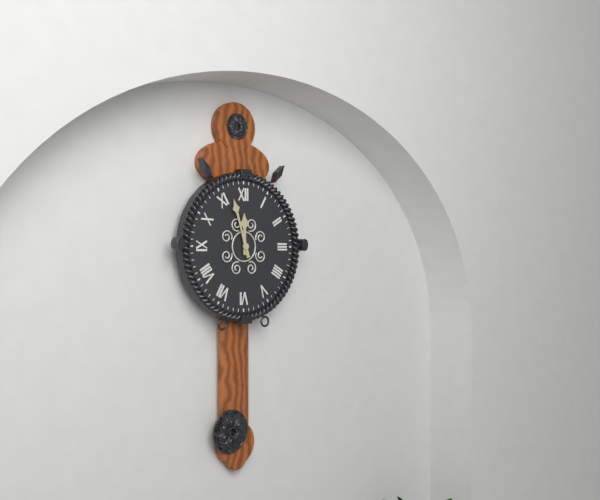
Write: 11h57
